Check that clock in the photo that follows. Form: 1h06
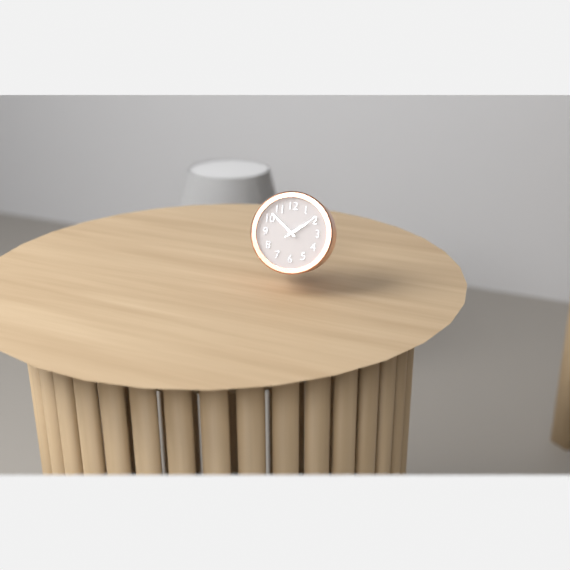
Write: 1h52
